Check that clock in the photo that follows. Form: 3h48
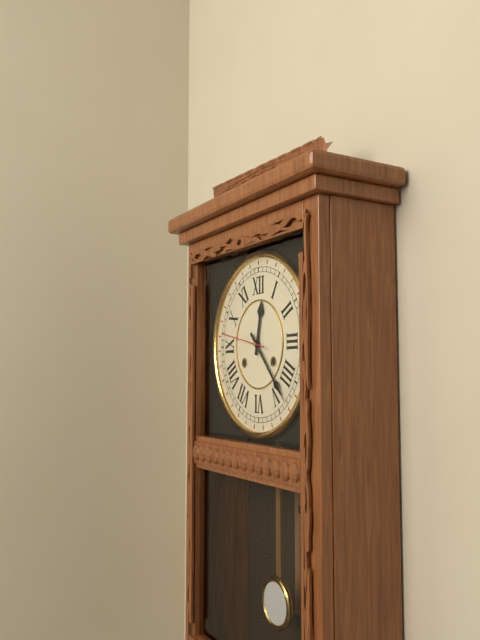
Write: 12h23
